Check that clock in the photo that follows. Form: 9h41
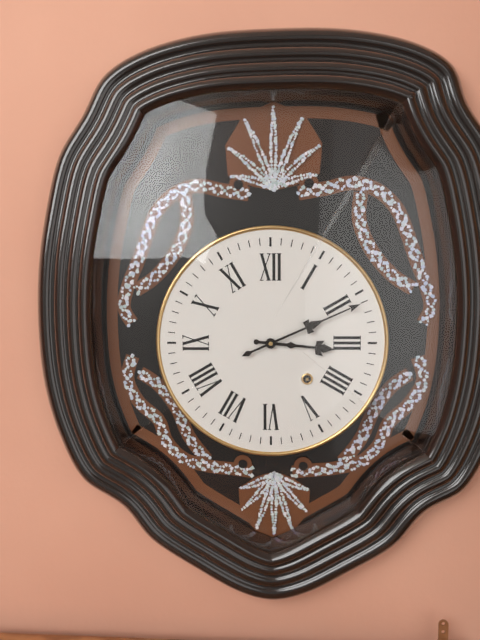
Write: 3h11
